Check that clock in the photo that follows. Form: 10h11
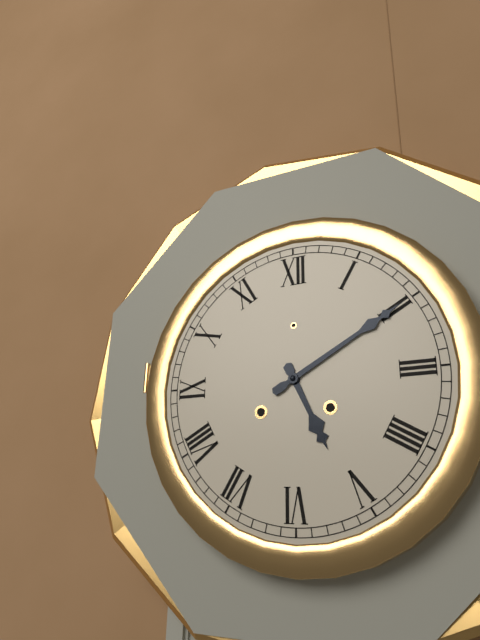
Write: 5h10
